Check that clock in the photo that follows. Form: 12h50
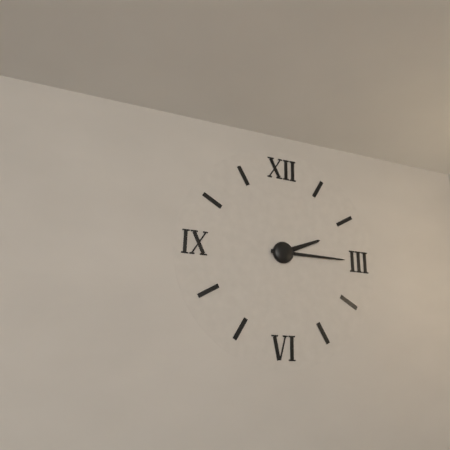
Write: 2h15
